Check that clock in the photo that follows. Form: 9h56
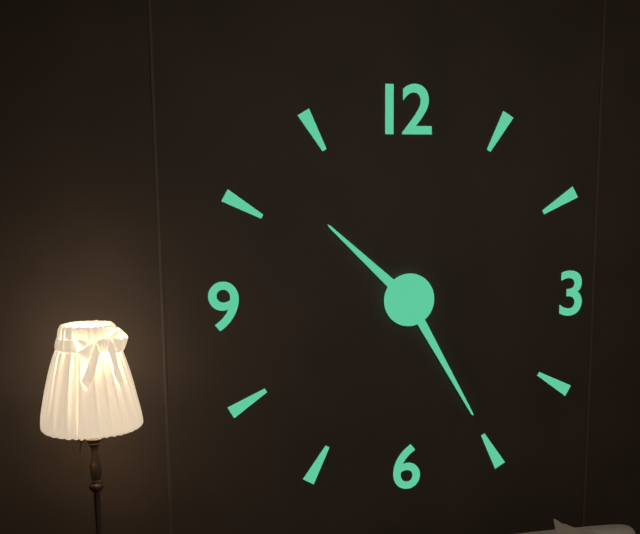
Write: 10h25
